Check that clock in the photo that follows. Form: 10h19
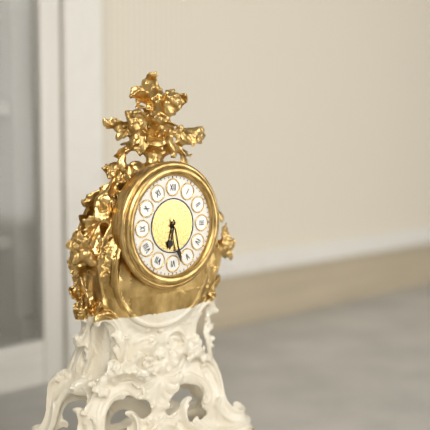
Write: 6h28
